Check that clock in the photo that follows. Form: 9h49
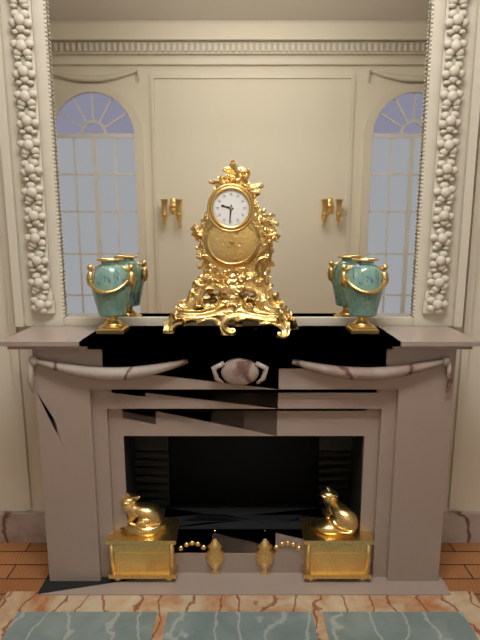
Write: 9h31
